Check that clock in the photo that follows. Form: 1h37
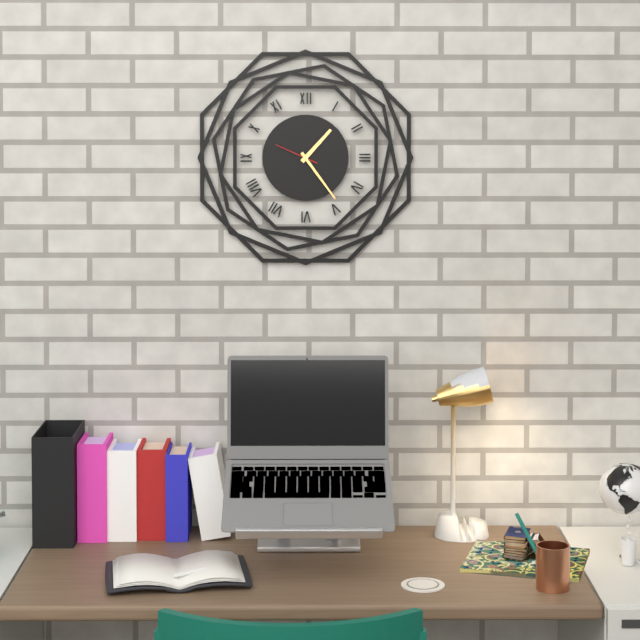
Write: 1h24
